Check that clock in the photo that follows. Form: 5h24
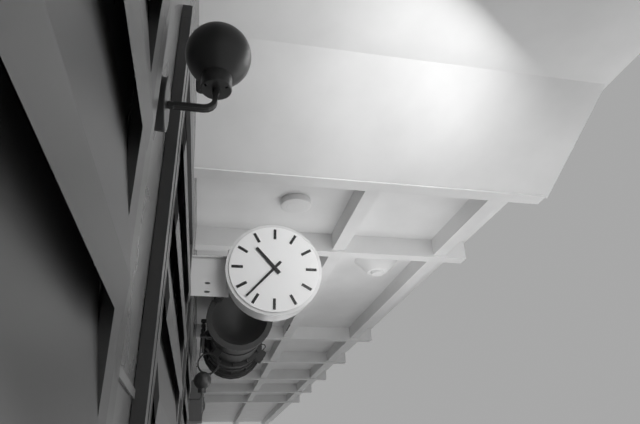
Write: 10h37
